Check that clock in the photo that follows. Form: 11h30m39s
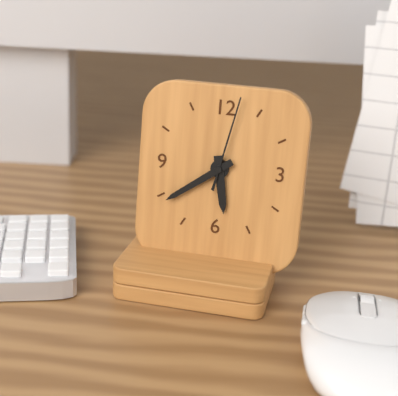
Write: 5h39m02s
